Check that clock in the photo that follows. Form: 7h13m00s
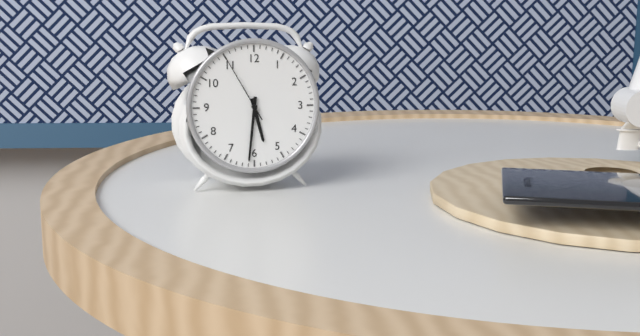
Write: 5h31m55s
